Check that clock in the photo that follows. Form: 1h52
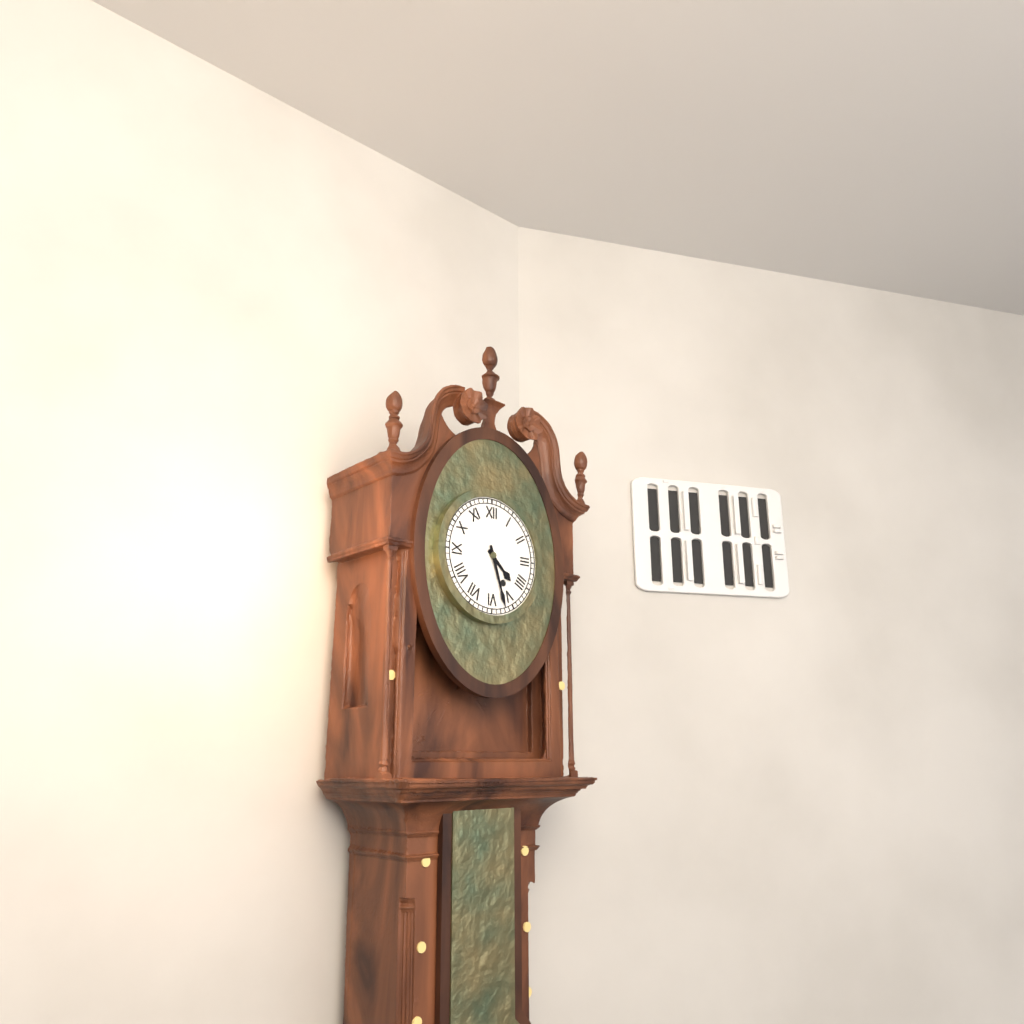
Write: 4h27
